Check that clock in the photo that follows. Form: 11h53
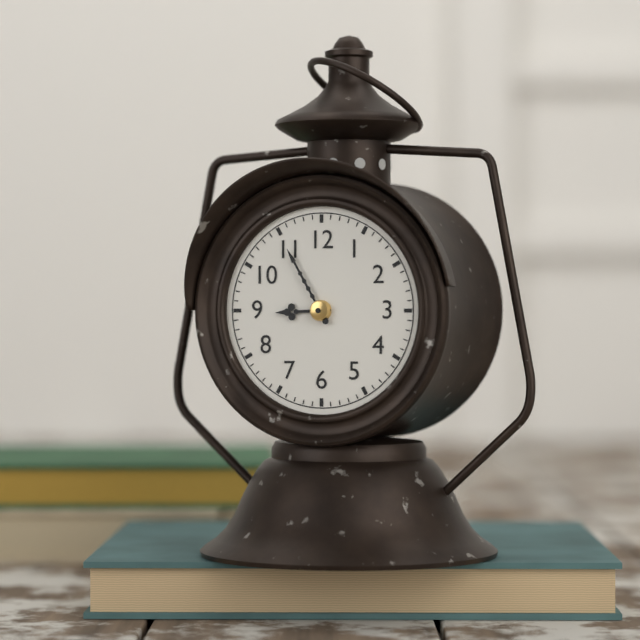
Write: 8h55
